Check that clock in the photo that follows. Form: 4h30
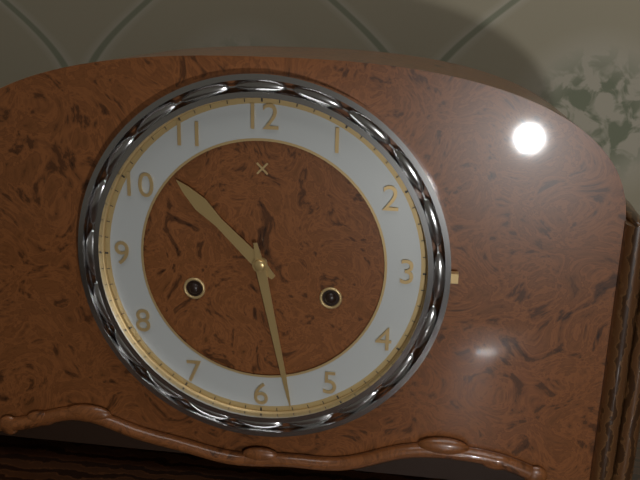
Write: 10h28
